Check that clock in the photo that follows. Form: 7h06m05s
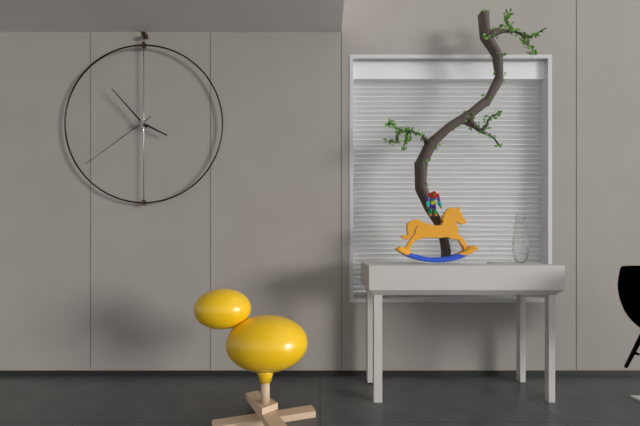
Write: 3h53m39s
